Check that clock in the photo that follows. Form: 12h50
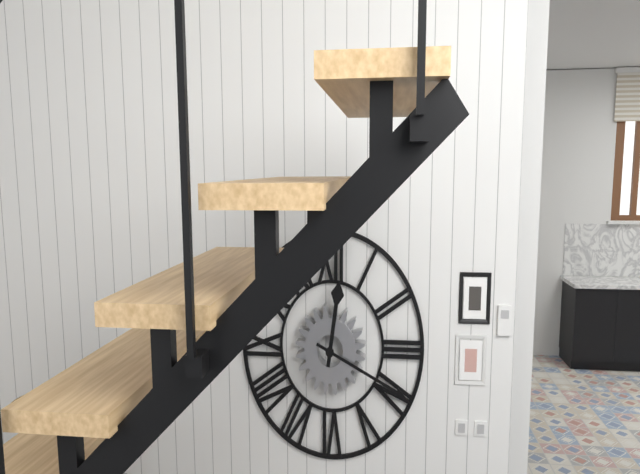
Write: 12h19
